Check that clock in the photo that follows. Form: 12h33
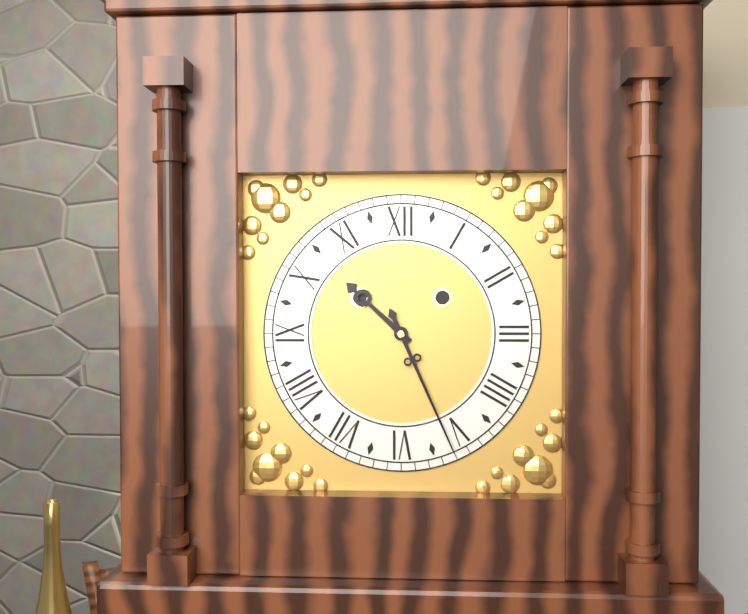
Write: 10h26
